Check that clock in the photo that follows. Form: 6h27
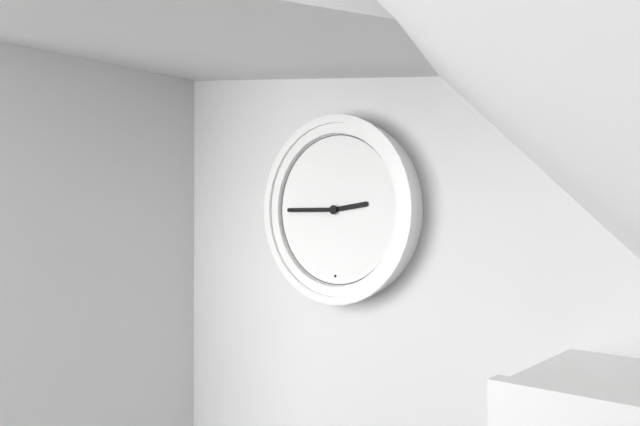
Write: 2h45
